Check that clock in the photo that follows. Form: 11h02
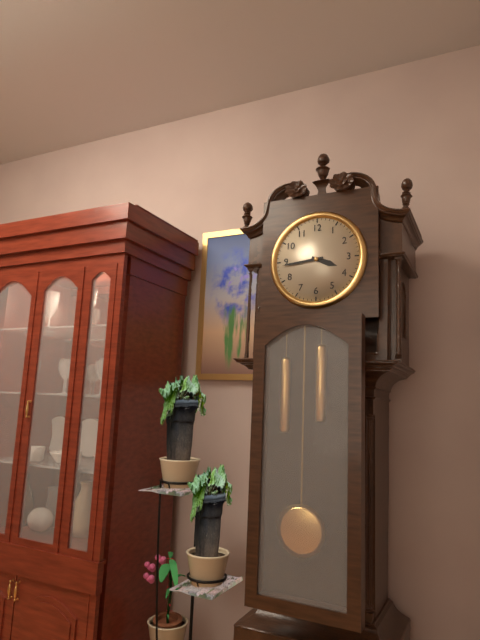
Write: 3h44
